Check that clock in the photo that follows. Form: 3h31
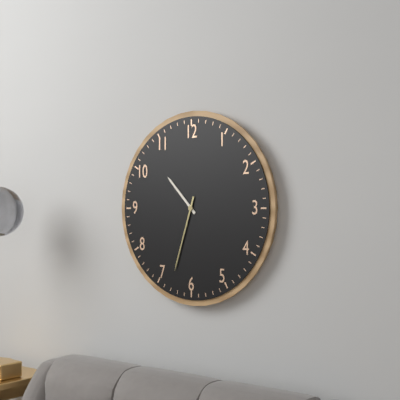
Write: 10h33
